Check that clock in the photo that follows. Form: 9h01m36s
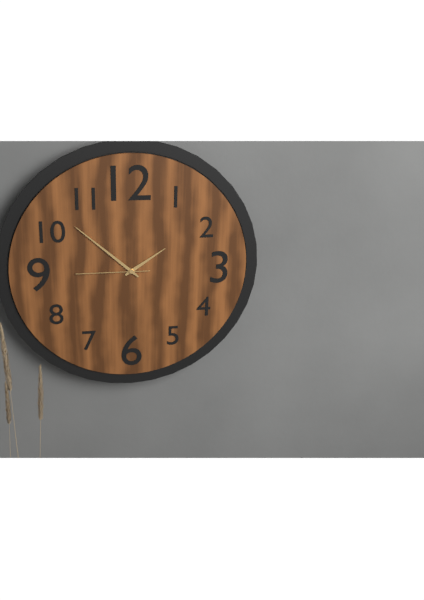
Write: 1h52m45s
